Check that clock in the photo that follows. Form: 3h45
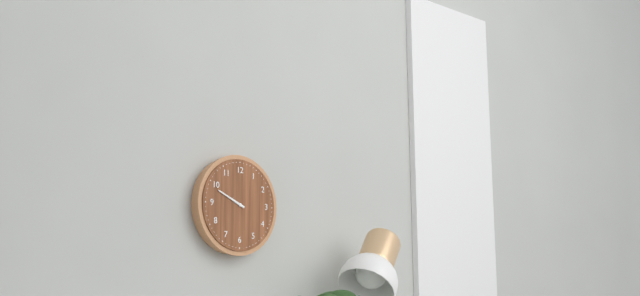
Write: 9h49
